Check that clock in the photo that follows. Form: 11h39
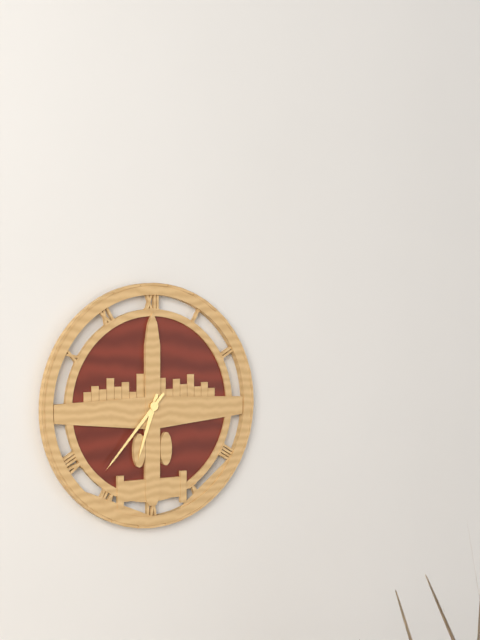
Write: 6h37
